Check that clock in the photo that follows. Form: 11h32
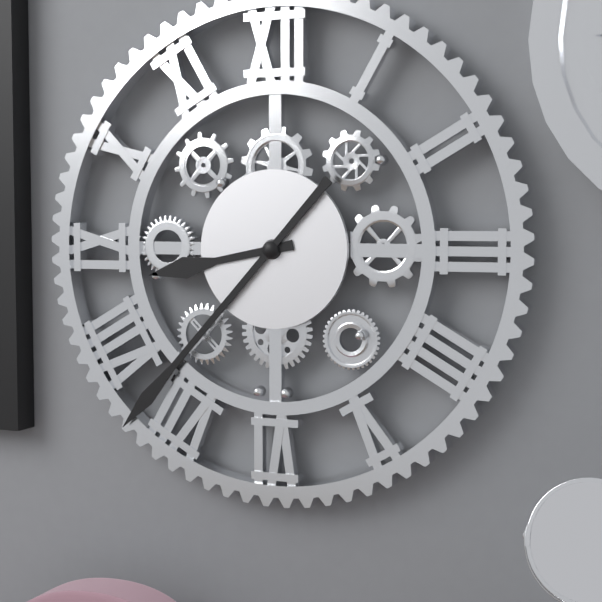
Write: 8h37
